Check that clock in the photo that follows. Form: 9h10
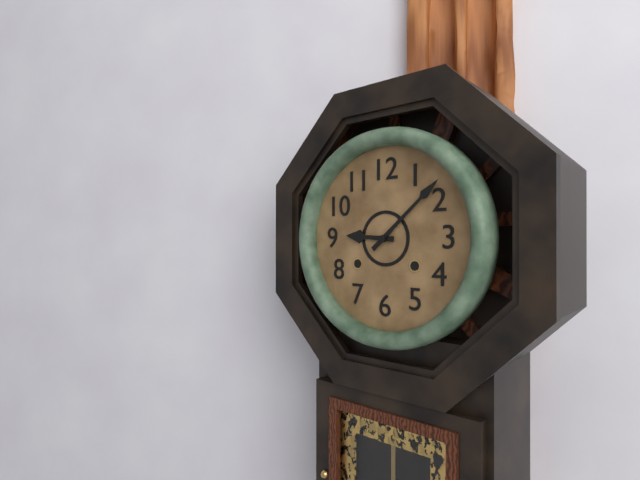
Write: 9h08
